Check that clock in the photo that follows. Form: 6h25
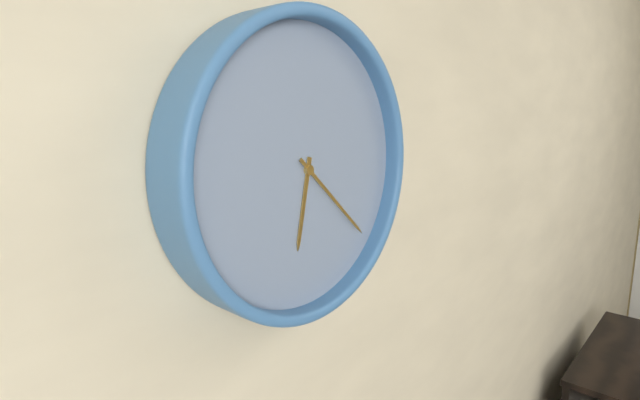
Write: 6h22
